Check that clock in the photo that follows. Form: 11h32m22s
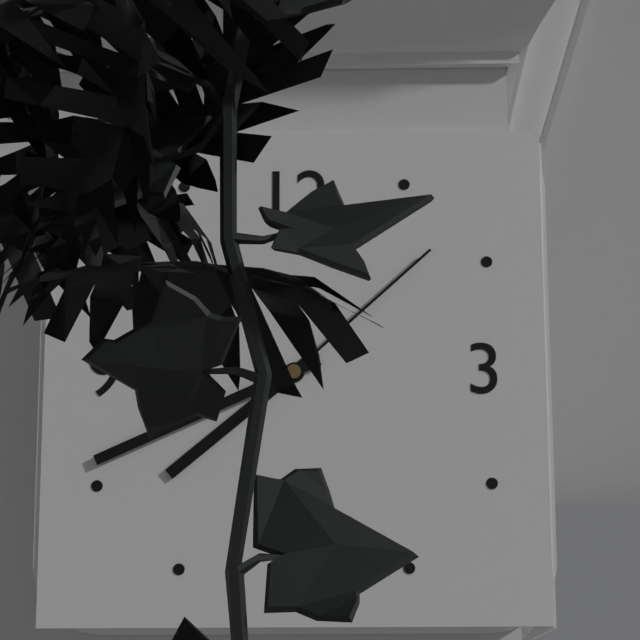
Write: 7h41m08s
